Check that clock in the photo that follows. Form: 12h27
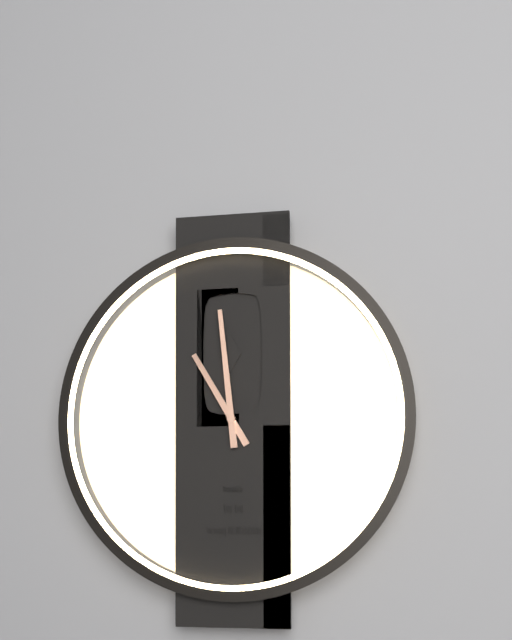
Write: 10h59
